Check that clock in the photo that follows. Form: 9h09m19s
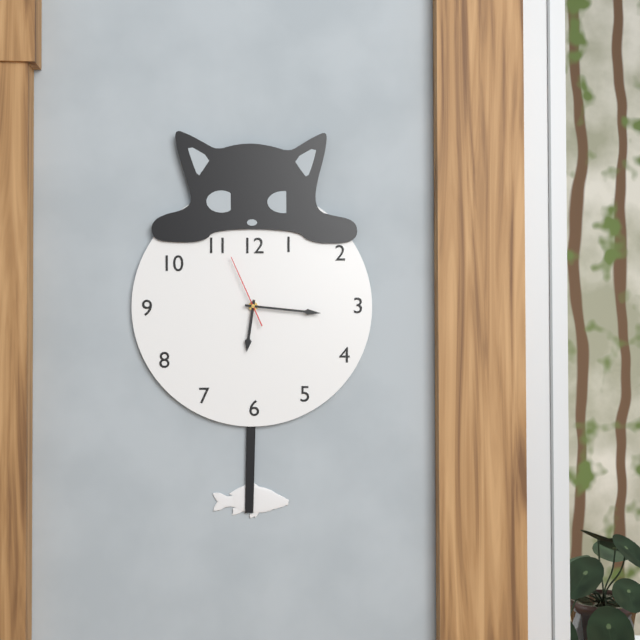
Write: 6h16m56s
